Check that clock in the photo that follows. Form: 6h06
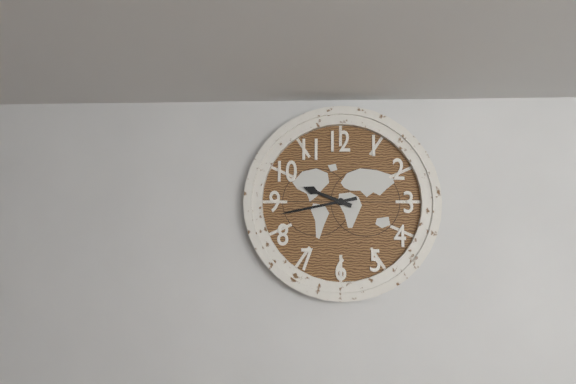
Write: 9h43
